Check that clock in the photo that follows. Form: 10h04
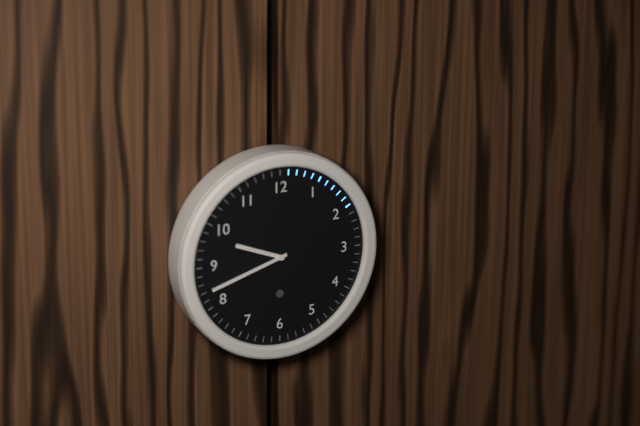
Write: 9h42
